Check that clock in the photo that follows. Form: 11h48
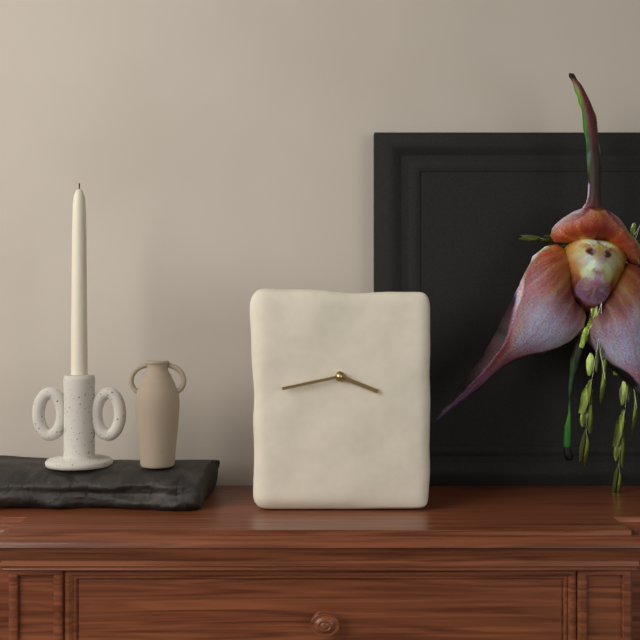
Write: 3h43
